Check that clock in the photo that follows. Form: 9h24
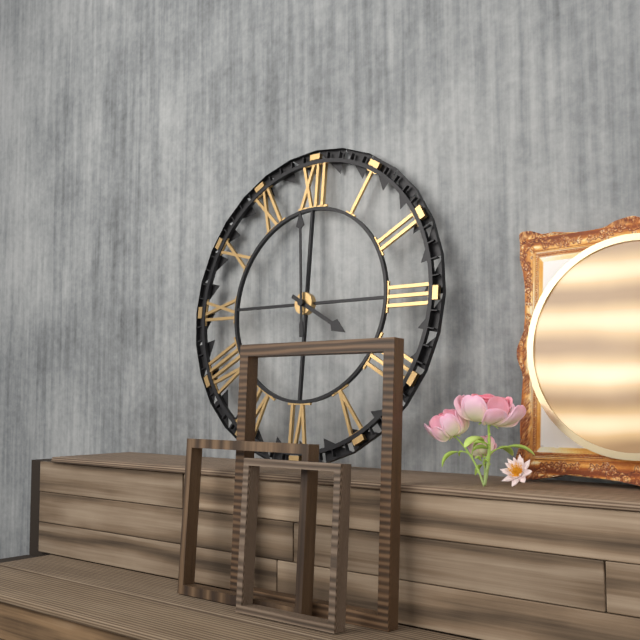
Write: 3h59
